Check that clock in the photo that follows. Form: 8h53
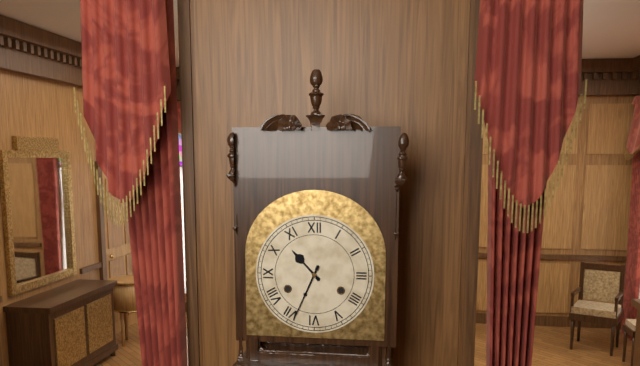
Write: 10h34
